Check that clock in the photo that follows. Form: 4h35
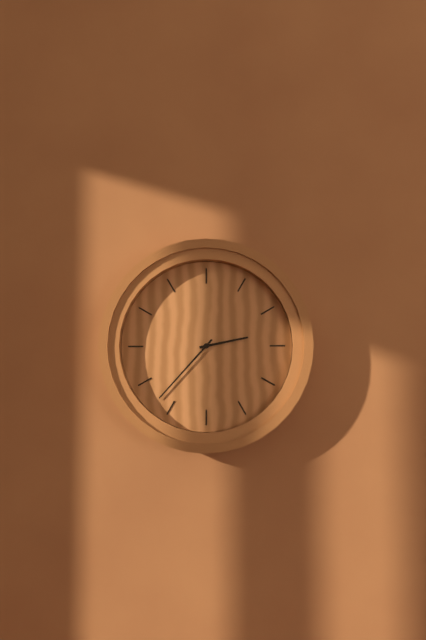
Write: 2h37
